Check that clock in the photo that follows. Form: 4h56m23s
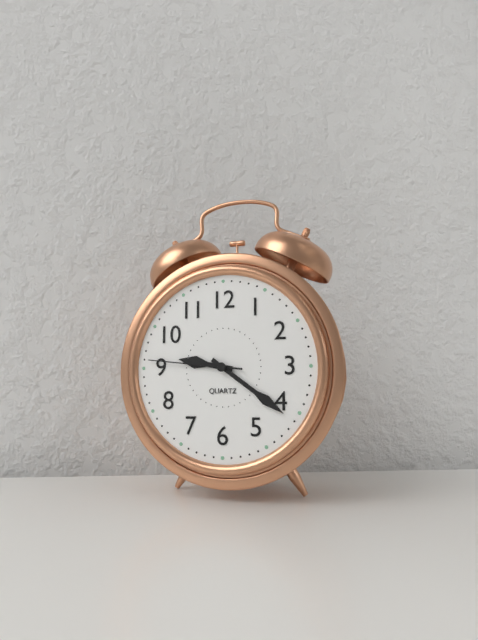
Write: 9h21m46s
